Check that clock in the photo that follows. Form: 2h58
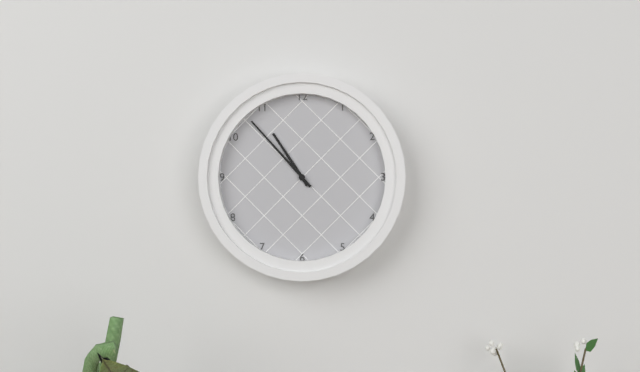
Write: 10h53
